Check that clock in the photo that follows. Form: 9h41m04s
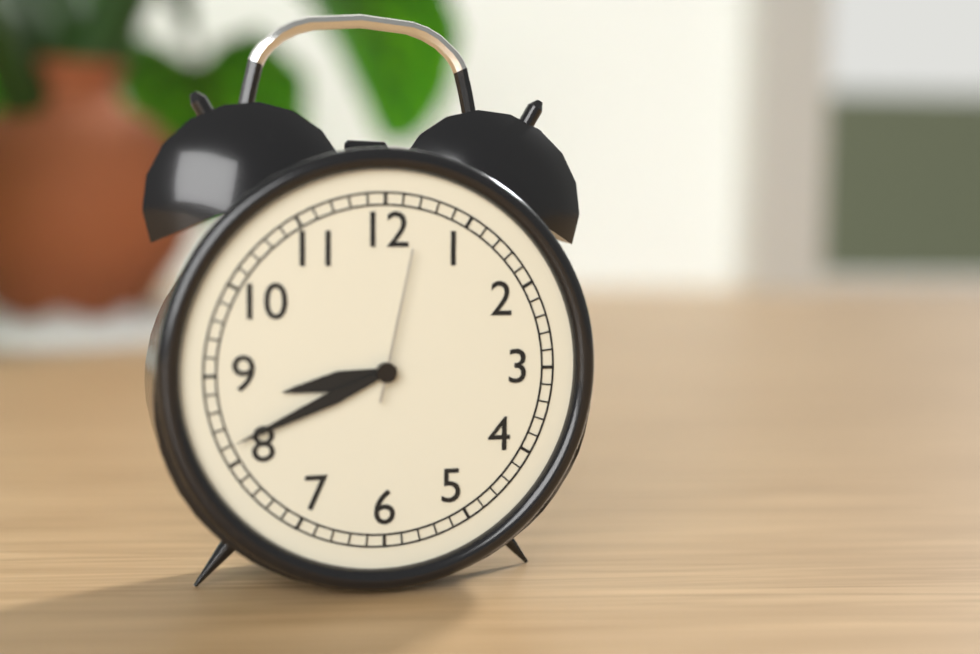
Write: 8h41m02s
